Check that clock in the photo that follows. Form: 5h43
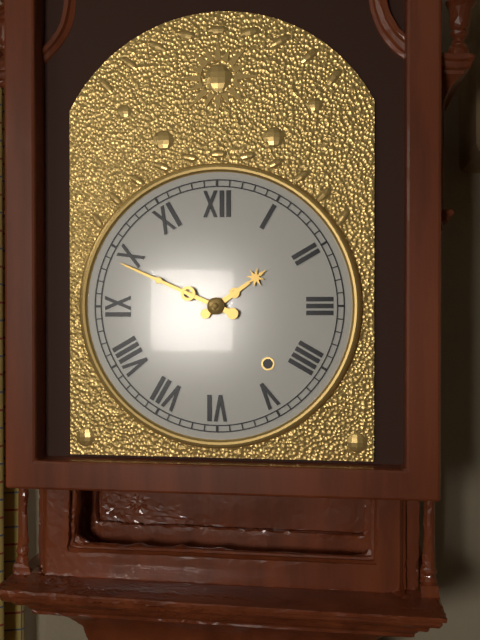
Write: 1h49
